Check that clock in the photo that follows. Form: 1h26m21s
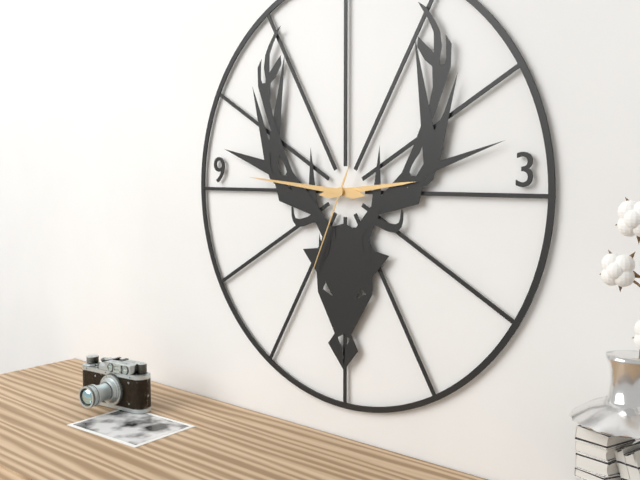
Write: 2h46m34s
